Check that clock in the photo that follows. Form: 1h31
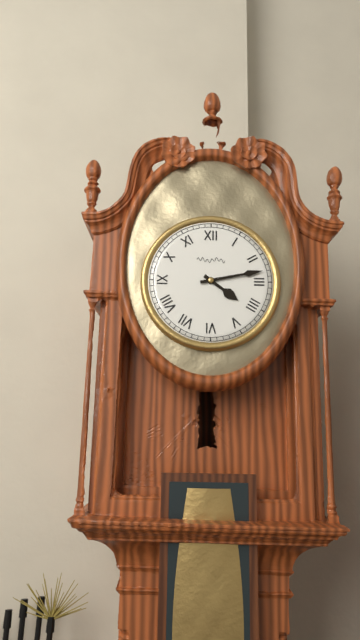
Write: 4h13
